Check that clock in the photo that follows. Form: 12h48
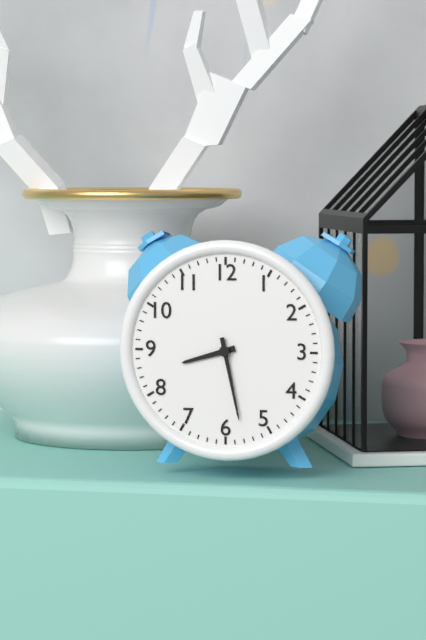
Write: 8h28
